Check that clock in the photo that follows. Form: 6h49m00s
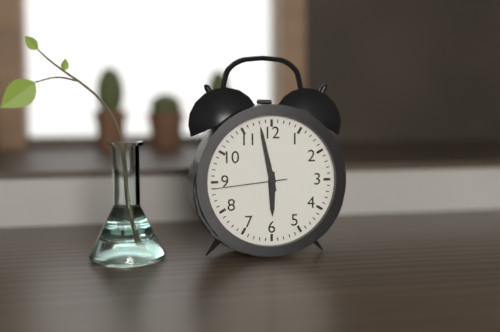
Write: 5h58m44s
